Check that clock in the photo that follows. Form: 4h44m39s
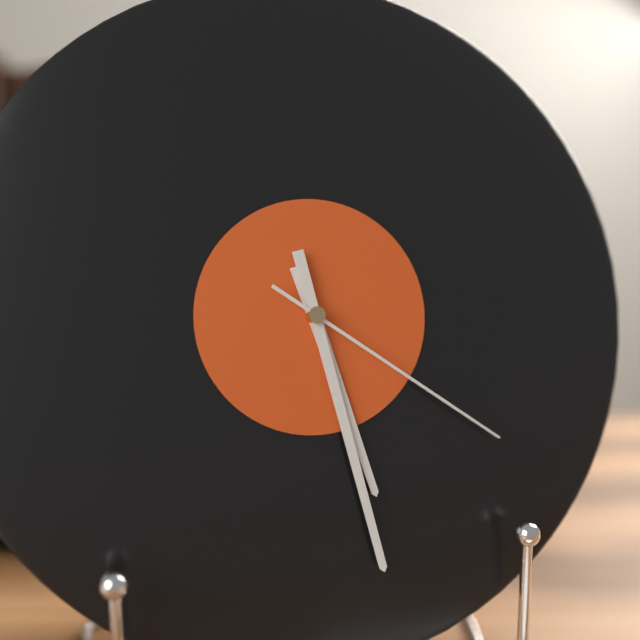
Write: 5h28m21s
